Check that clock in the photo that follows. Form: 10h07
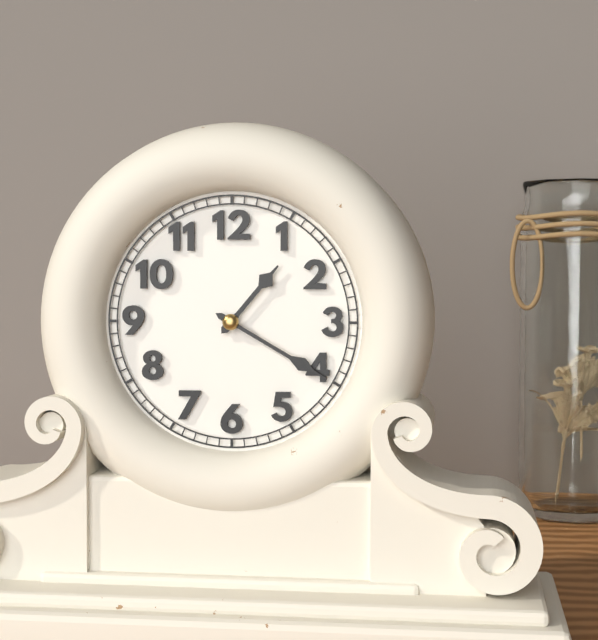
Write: 1h20
